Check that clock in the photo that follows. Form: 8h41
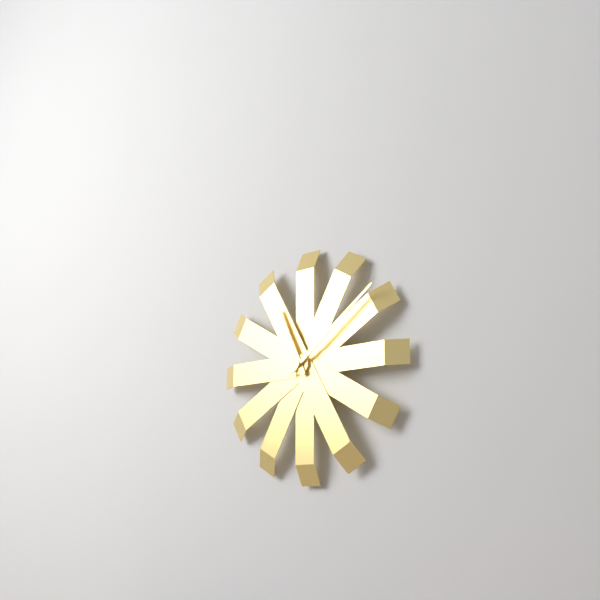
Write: 11h09
